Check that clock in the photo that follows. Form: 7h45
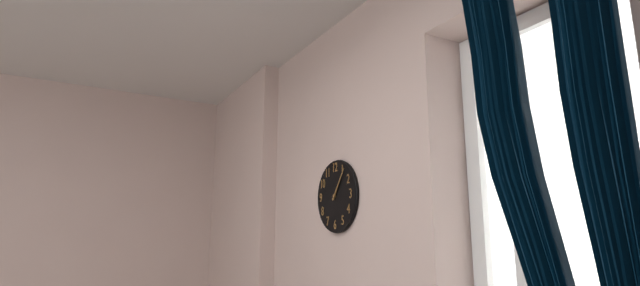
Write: 1h06
